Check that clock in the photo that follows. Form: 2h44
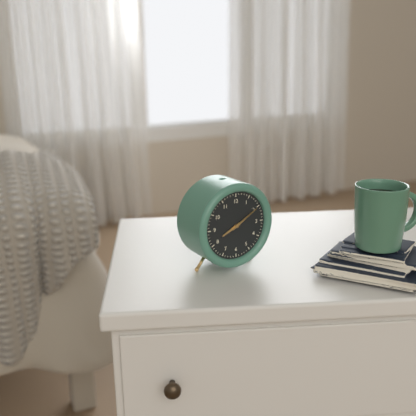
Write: 8h10
